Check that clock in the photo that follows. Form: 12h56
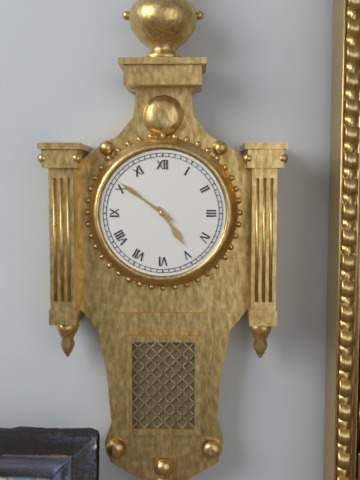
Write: 4h51
